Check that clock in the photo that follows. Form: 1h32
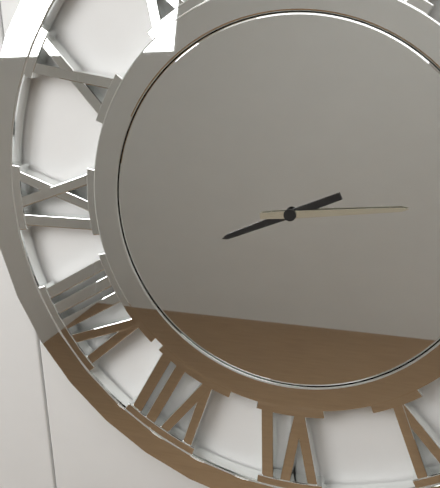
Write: 8h14
